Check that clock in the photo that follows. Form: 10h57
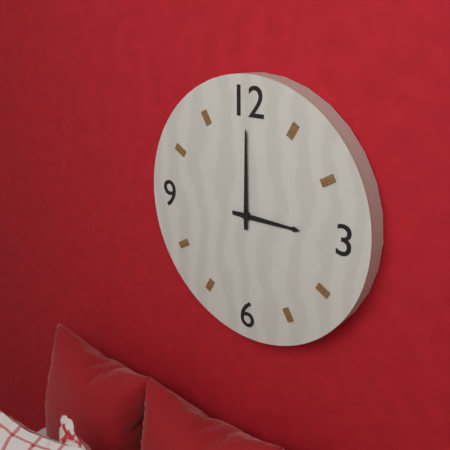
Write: 3h00
